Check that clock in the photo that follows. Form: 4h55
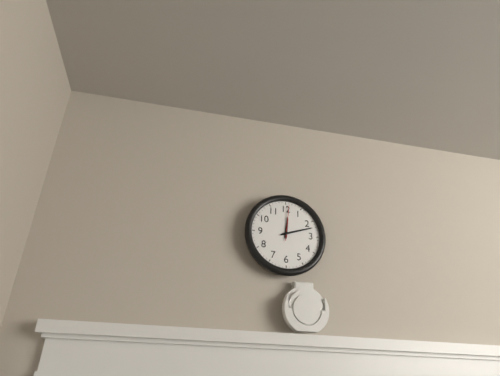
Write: 12h12
